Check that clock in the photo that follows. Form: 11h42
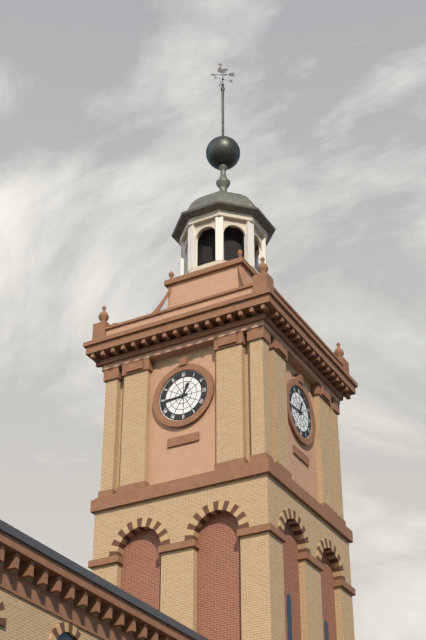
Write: 12h44
